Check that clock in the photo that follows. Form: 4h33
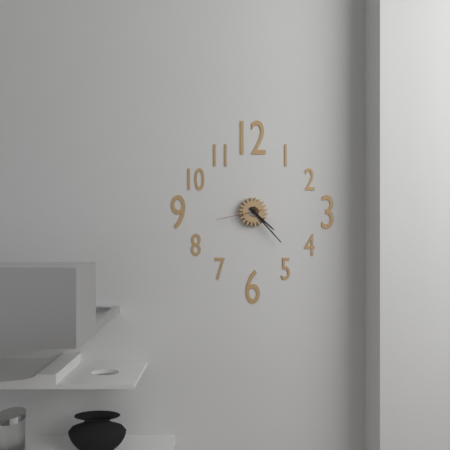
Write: 4h23
